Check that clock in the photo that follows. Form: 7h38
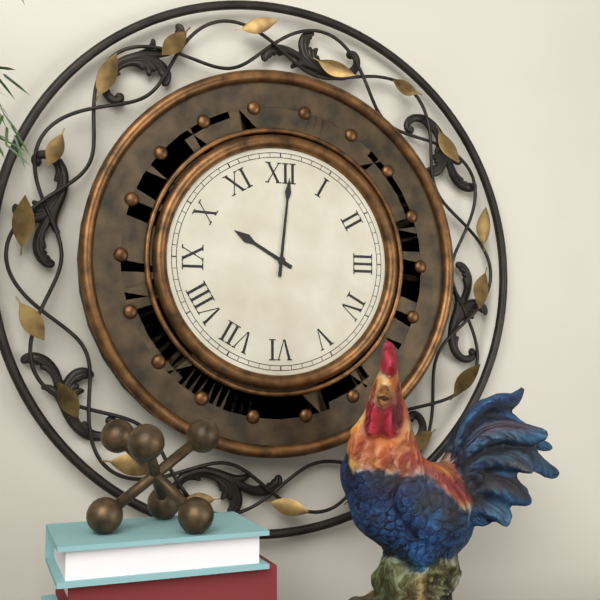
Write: 10h01
